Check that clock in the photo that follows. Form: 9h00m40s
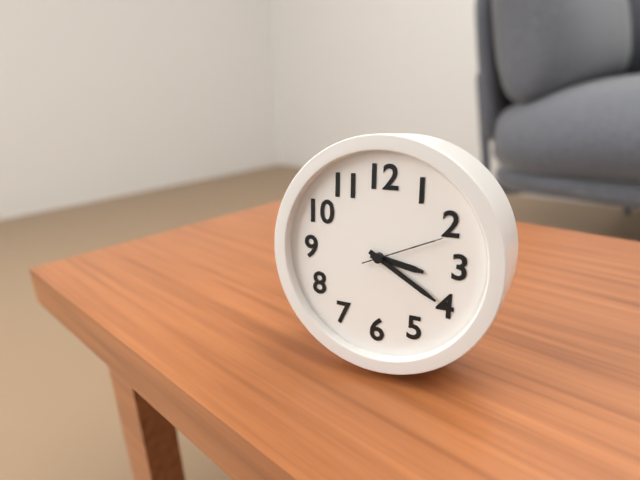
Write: 3h20m11s
